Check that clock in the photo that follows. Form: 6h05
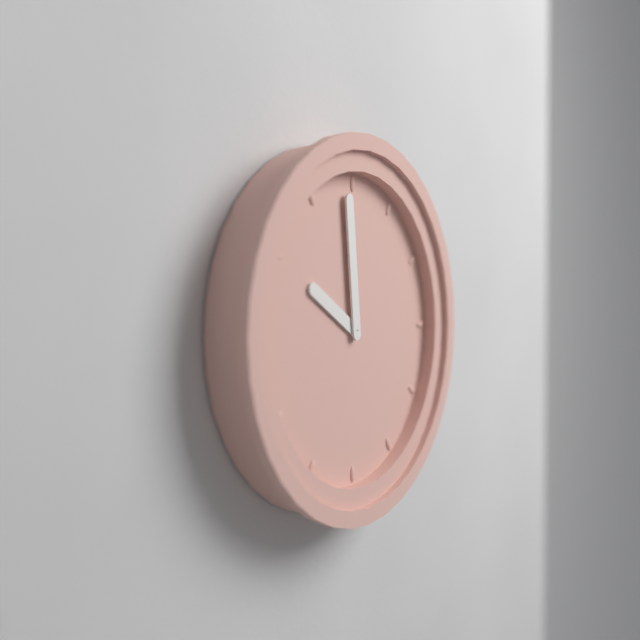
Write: 9h59
